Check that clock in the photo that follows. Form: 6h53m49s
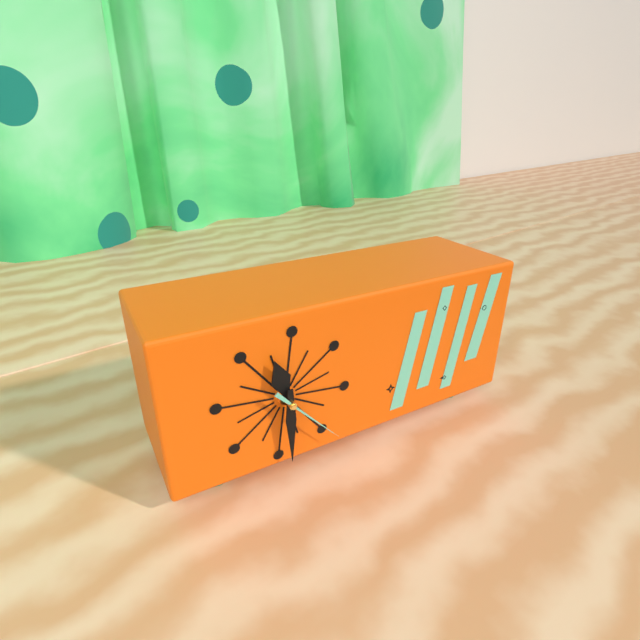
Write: 11h30m23s
